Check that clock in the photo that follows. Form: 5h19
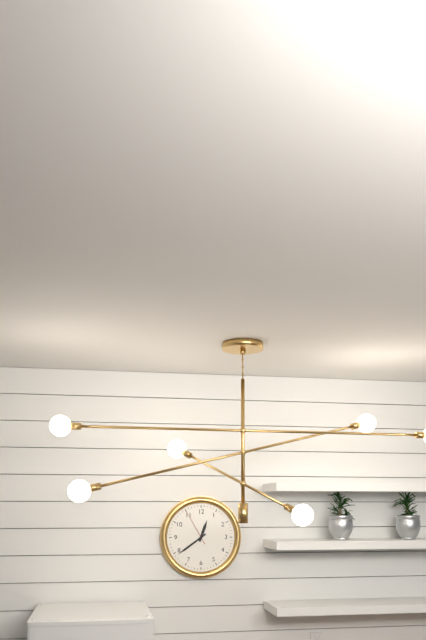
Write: 12h39
